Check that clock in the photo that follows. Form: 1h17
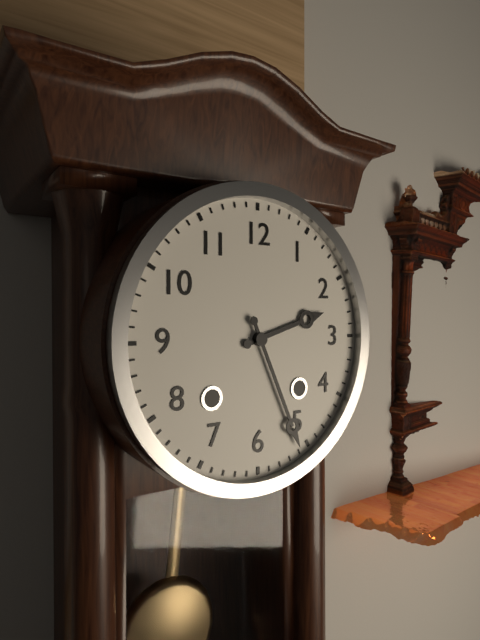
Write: 2h26
